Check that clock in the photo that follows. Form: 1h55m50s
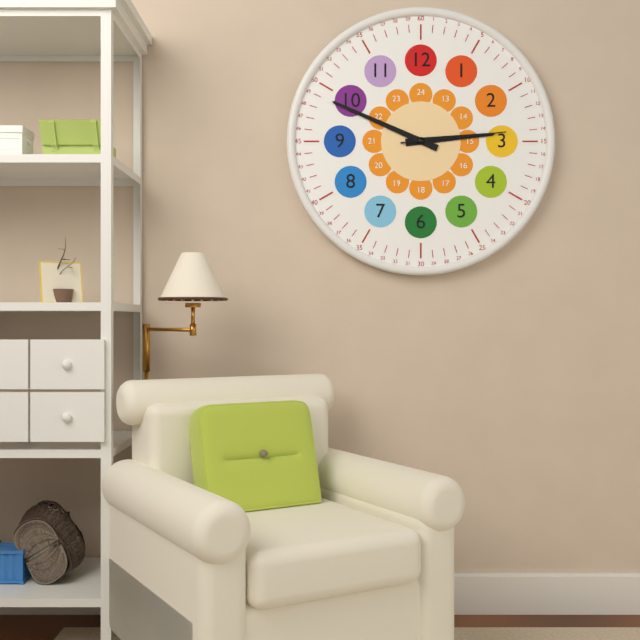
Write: 2h49m14s
